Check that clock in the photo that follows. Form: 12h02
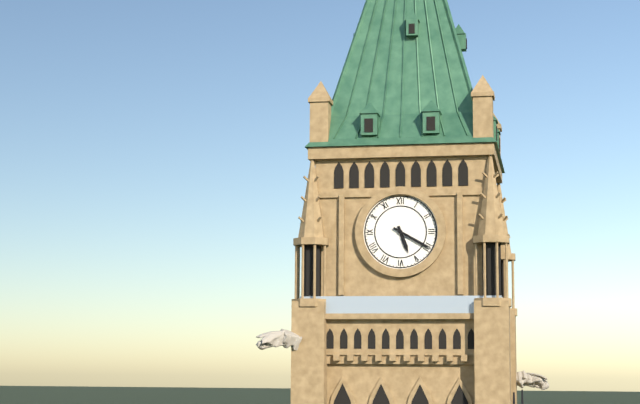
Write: 5h20
